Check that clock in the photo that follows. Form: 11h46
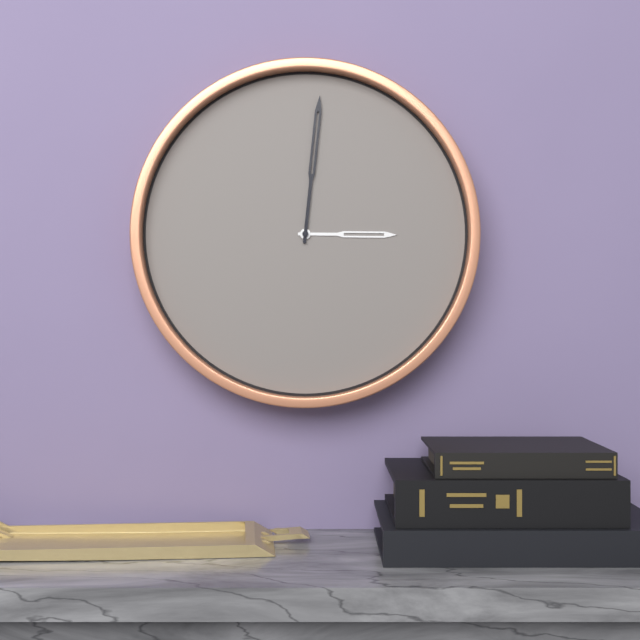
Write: 3h01
